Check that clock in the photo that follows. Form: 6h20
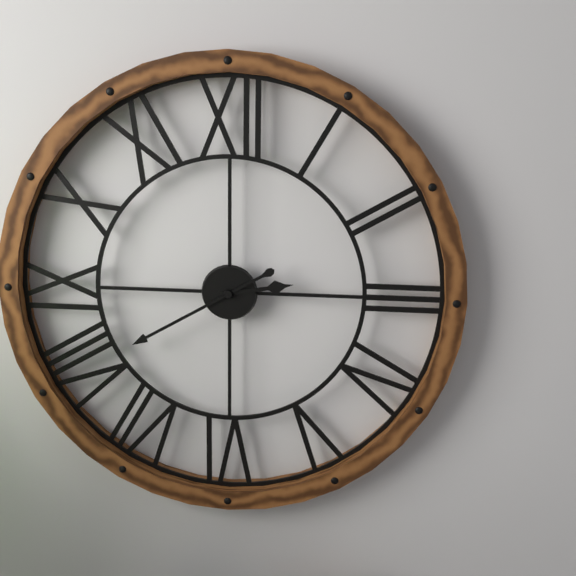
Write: 2h40
